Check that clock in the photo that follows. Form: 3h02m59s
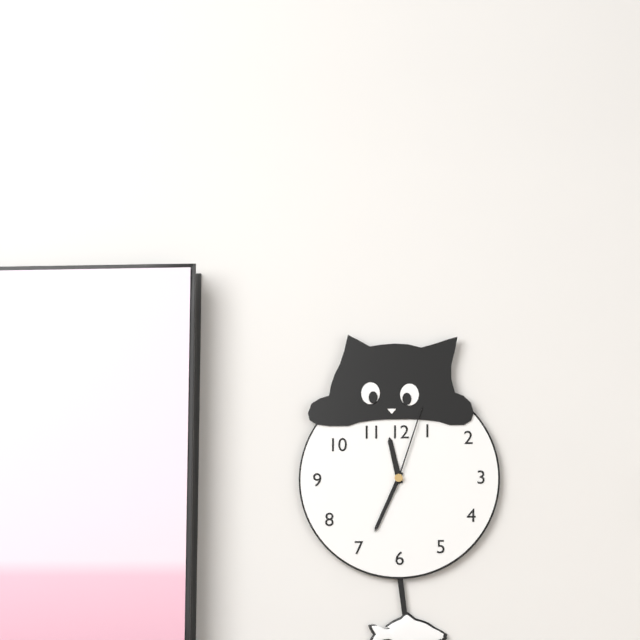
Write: 11h34m03s
